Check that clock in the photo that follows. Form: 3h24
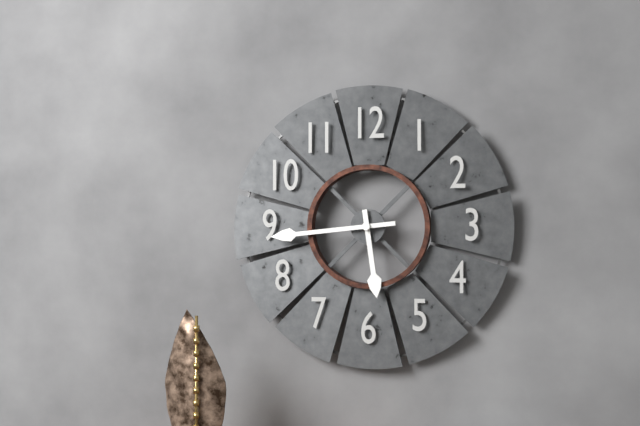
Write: 5h44
